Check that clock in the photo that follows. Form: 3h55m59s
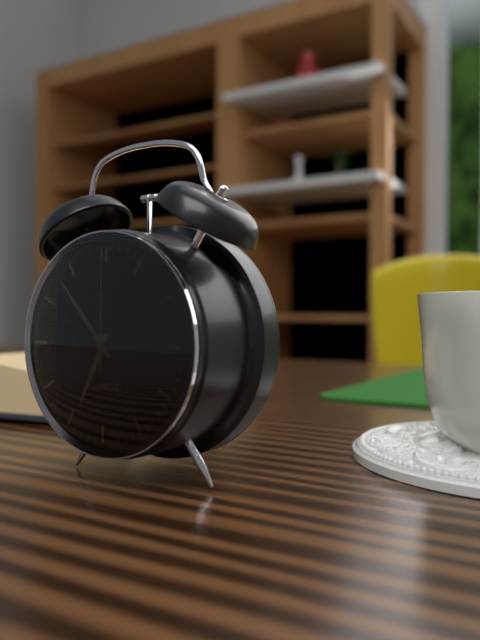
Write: 6h53m00s
